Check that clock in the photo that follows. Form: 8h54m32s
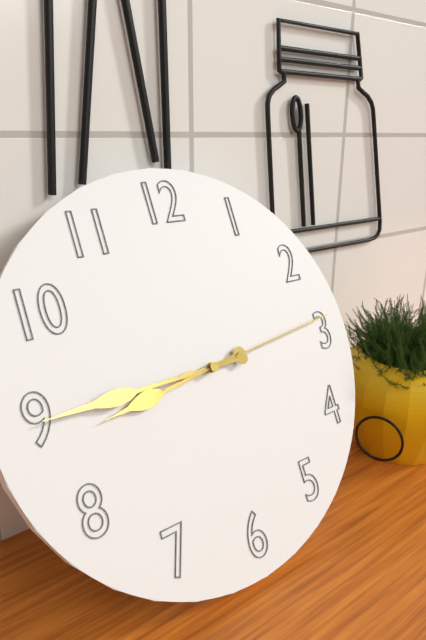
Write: 8h45m14s
